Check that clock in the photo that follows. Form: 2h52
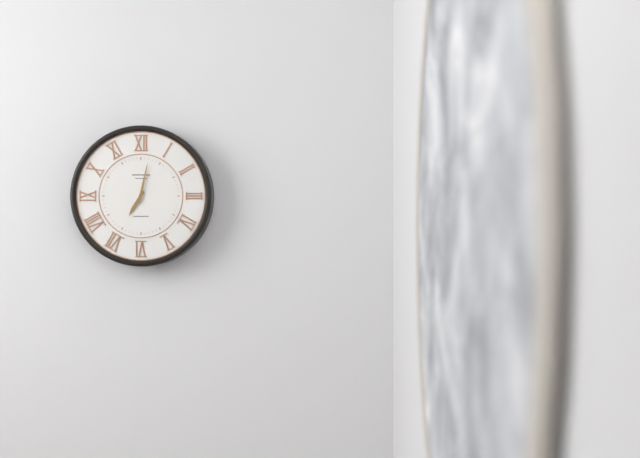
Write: 7h02
